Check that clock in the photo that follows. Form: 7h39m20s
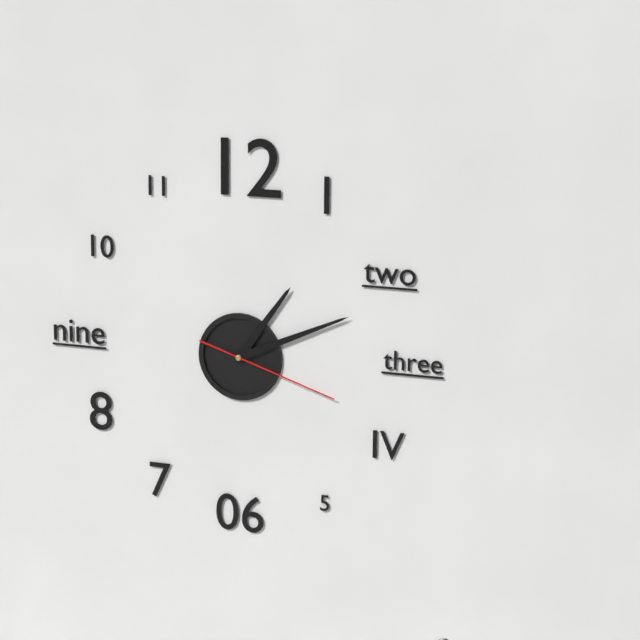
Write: 1h11m18s
